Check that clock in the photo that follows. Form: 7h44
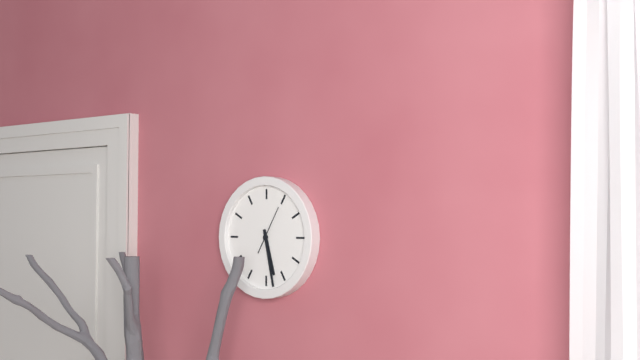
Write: 5h28
